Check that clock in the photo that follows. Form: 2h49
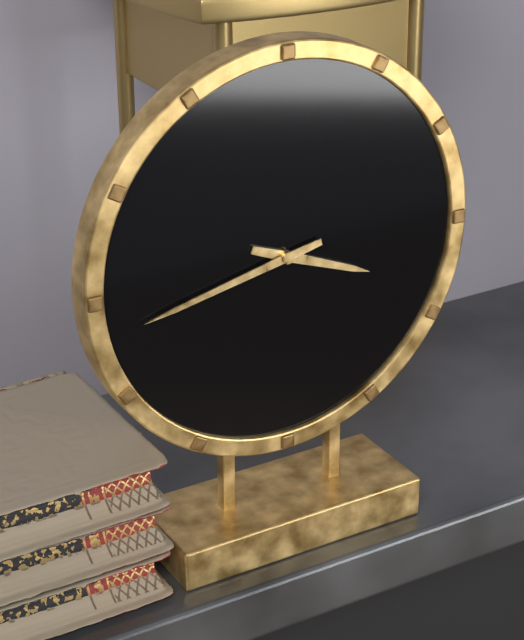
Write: 3h43
